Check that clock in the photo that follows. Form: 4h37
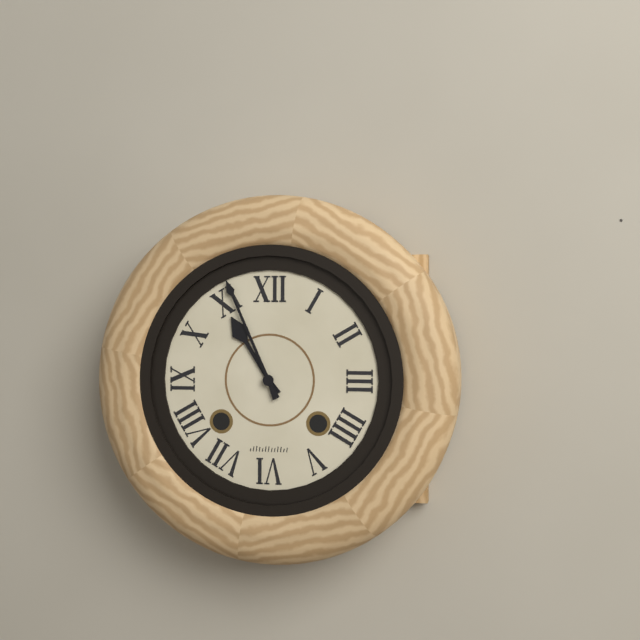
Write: 10h56
